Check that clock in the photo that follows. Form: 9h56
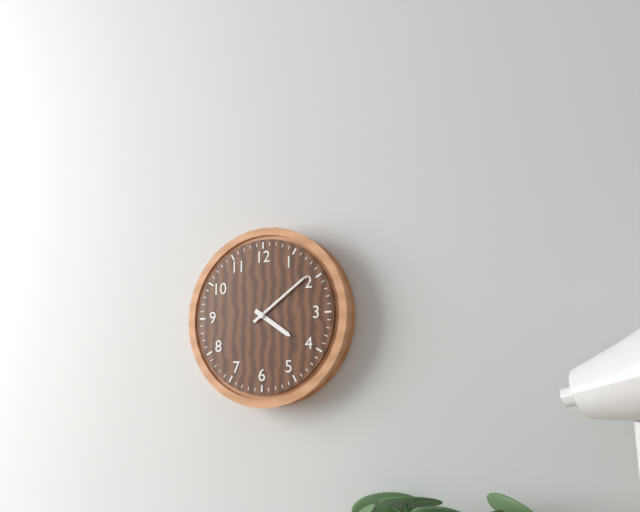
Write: 4h09
